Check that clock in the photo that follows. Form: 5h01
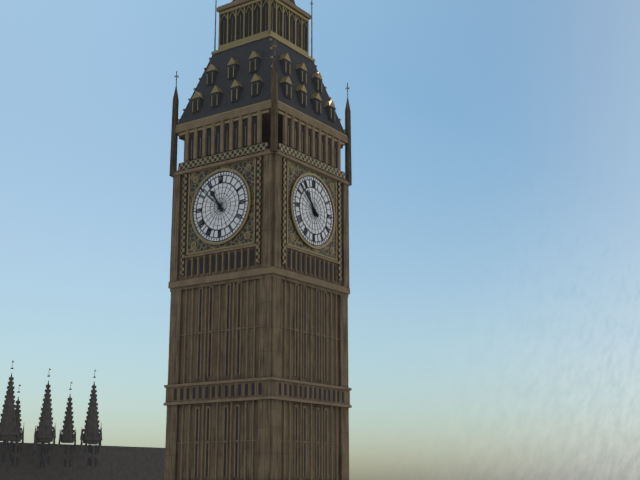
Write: 10h52
